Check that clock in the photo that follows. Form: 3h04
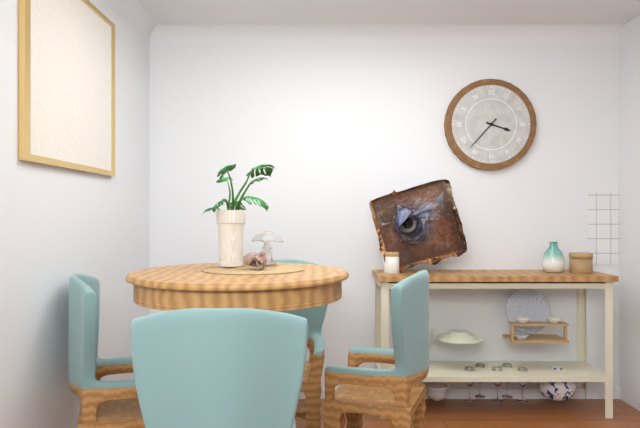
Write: 3h37
